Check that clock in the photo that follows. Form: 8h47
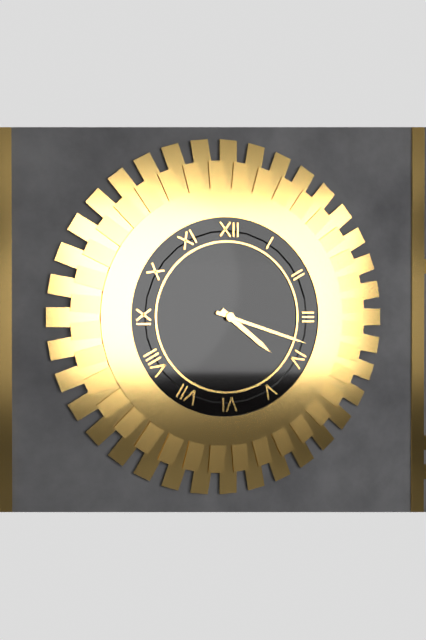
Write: 4h18
